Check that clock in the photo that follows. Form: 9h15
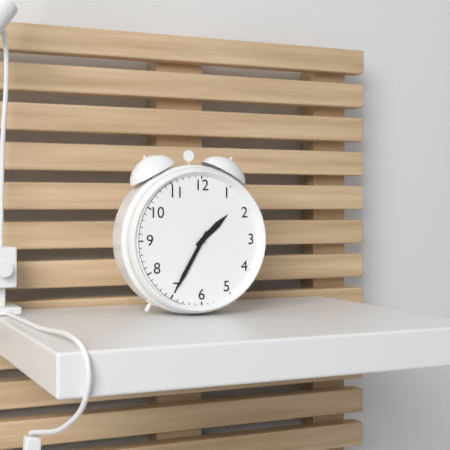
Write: 1h35
